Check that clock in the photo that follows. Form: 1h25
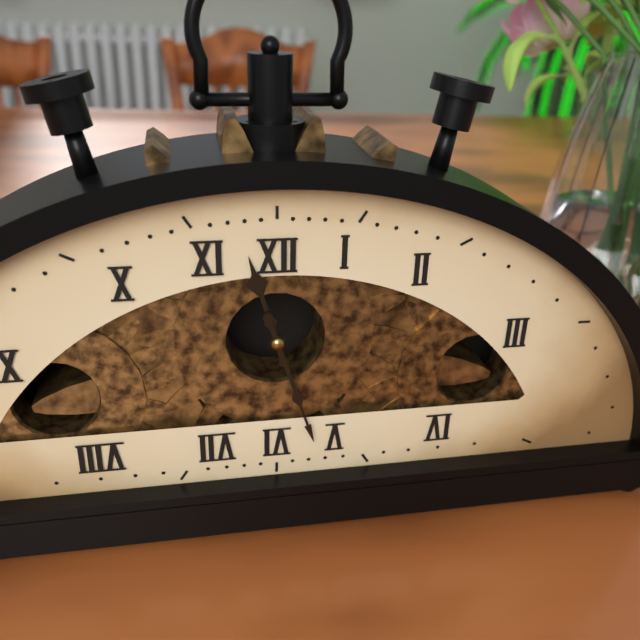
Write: 11h27
